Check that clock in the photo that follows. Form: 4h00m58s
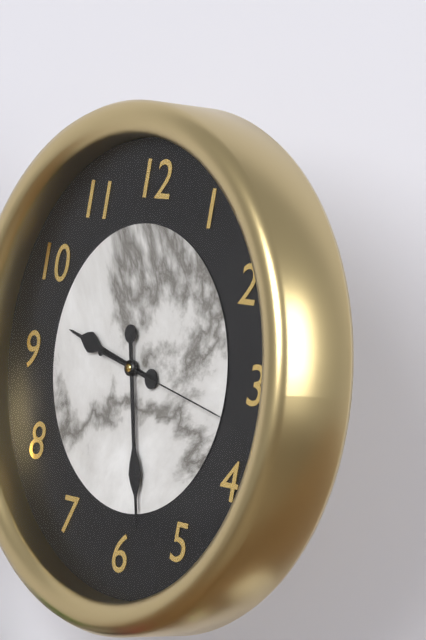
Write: 9h28m17s
